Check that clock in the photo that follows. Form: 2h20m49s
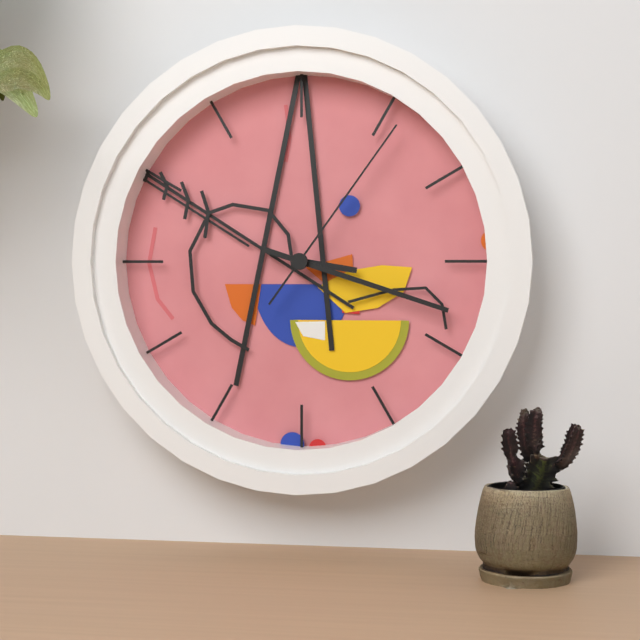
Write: 3h18m06s
